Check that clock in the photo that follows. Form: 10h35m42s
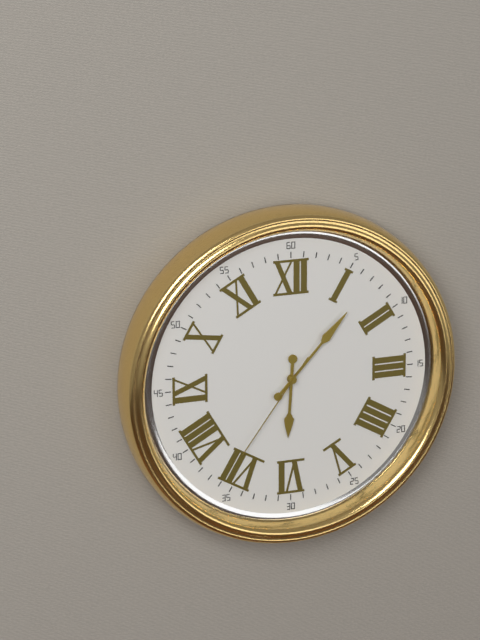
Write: 6h07m36s
